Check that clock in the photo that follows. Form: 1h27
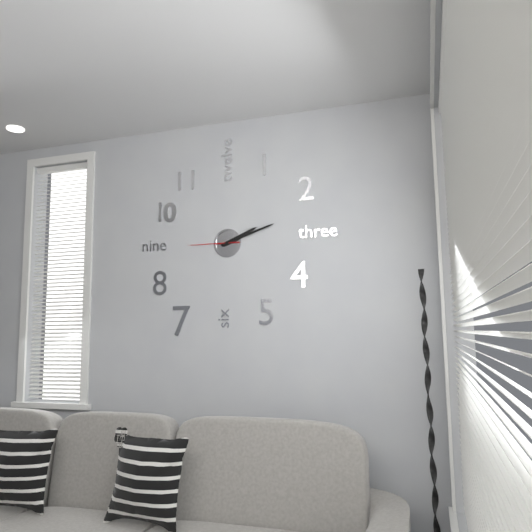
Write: 2h12
